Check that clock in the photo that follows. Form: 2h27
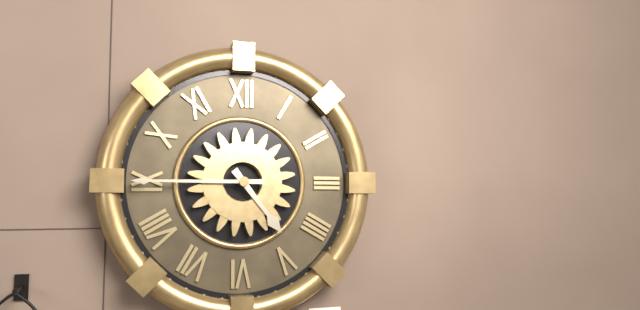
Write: 4h45
